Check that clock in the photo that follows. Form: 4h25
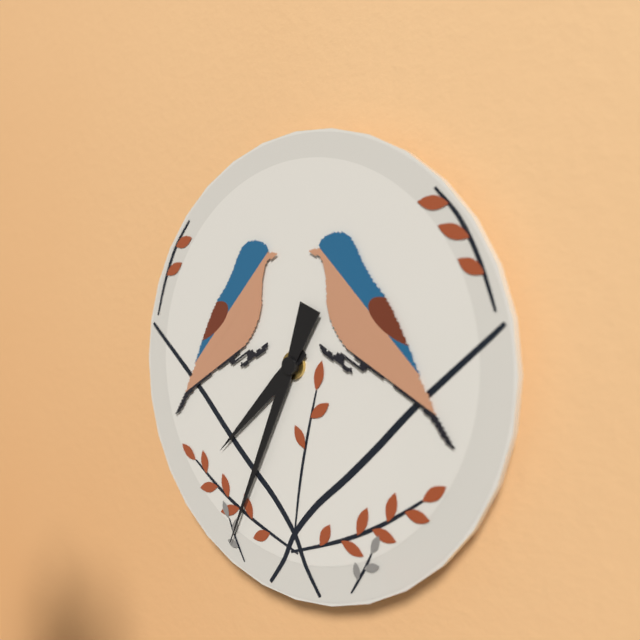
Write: 7h34
